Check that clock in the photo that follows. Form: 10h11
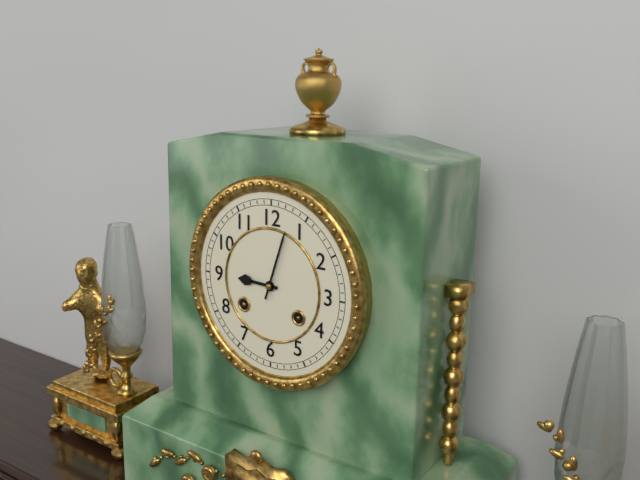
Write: 9h03
